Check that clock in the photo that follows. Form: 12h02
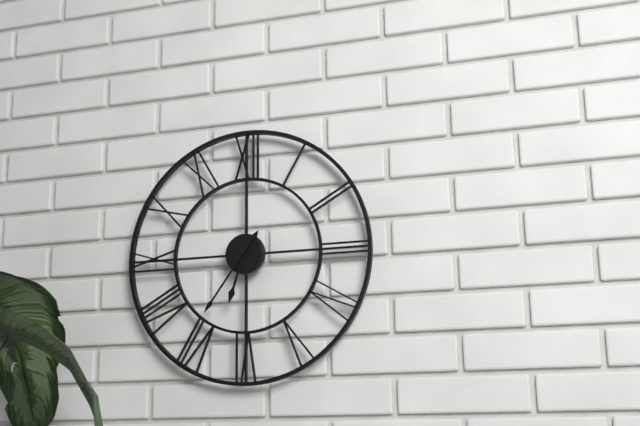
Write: 6h36
